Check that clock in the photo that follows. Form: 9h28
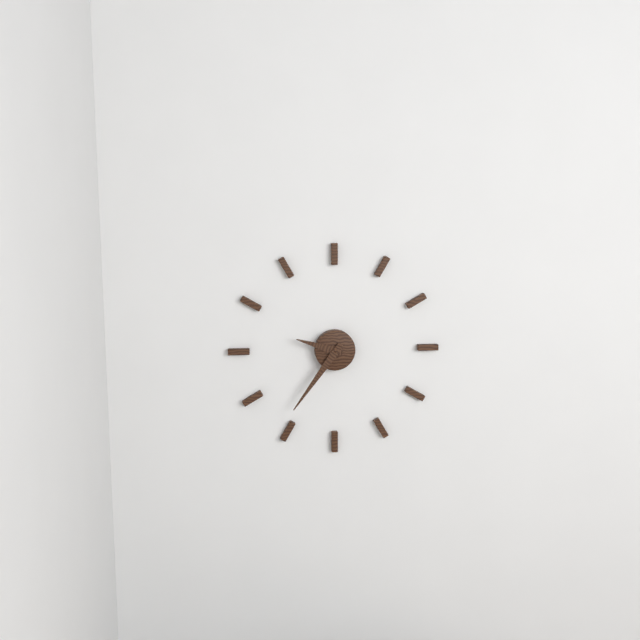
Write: 9h36
